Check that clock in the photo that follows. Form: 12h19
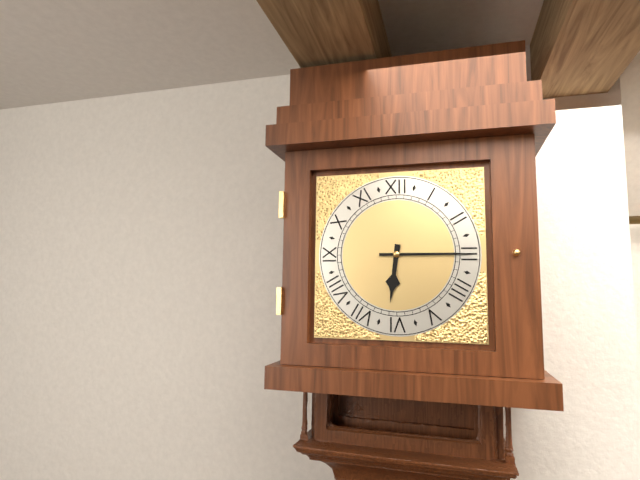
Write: 6h15
